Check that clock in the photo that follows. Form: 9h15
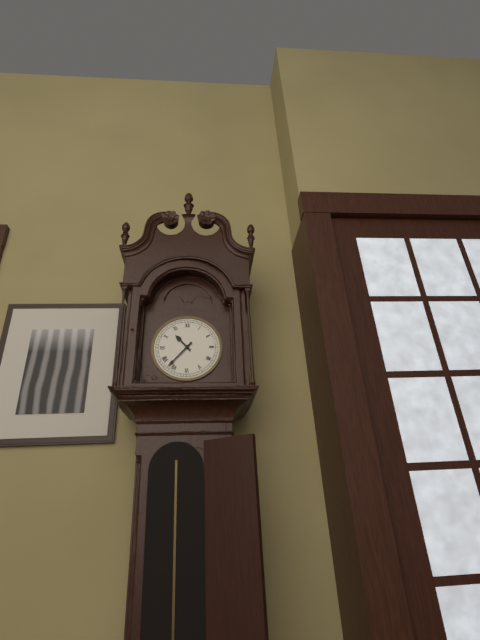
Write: 10h37
